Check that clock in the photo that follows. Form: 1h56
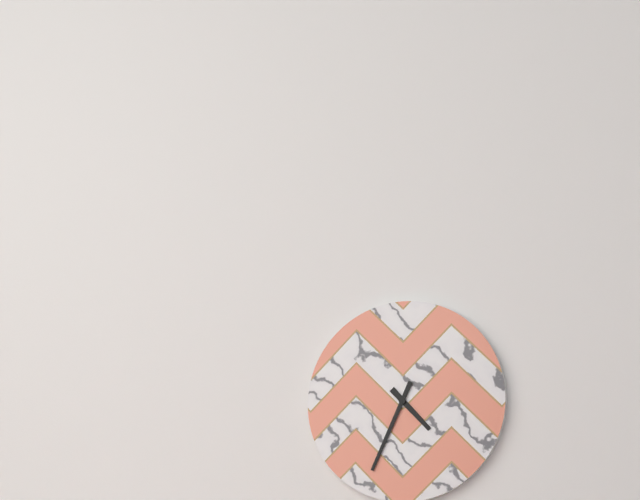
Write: 4h34
